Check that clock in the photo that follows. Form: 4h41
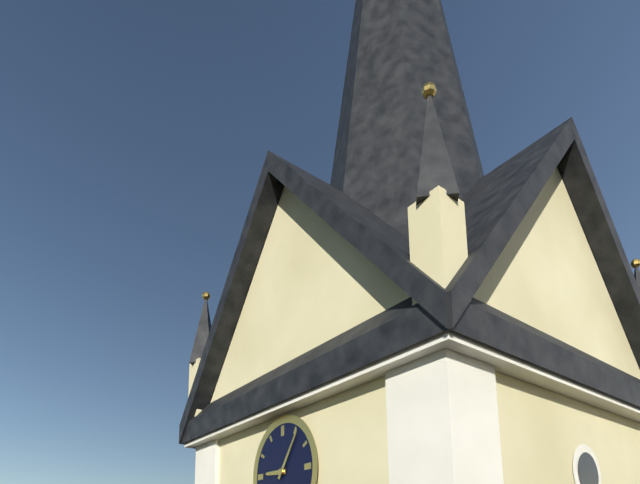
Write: 9h06
